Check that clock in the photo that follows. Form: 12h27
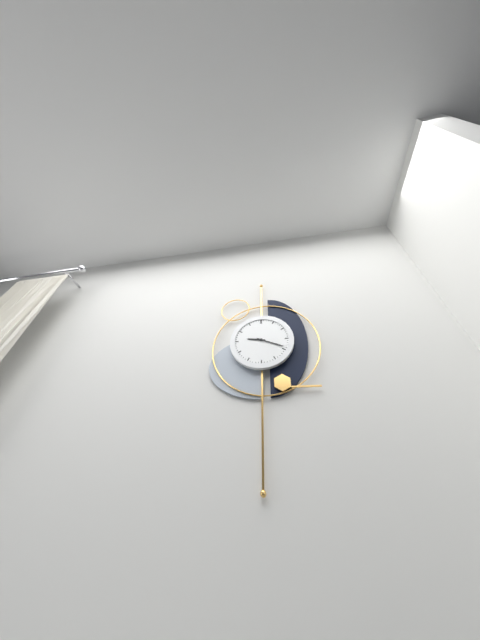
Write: 9h19
